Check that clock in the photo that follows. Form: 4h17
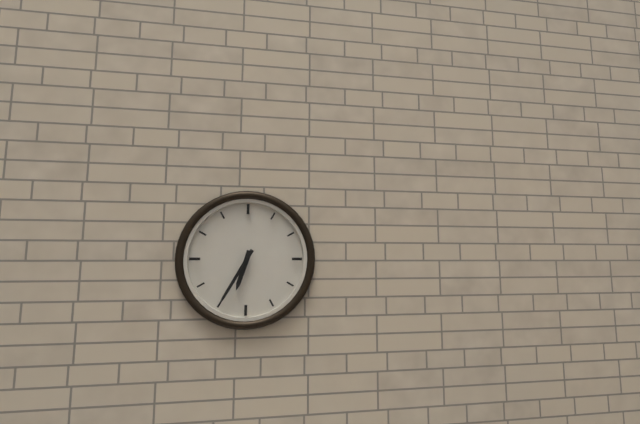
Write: 6h35
